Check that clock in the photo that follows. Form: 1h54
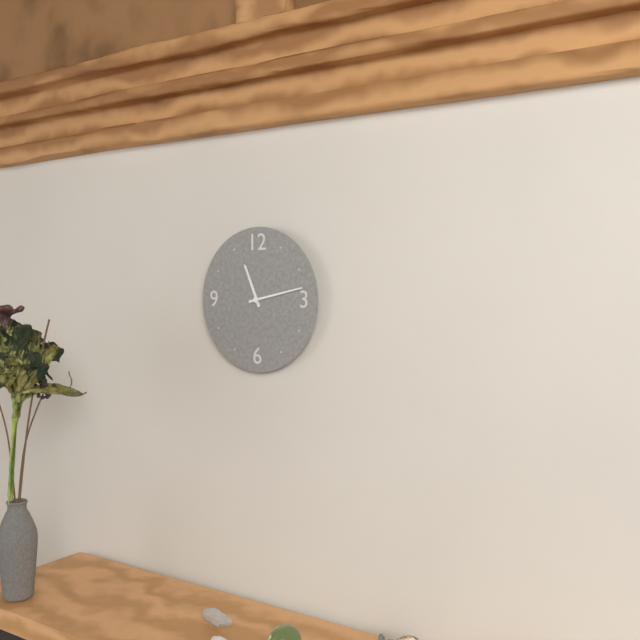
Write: 11h13
